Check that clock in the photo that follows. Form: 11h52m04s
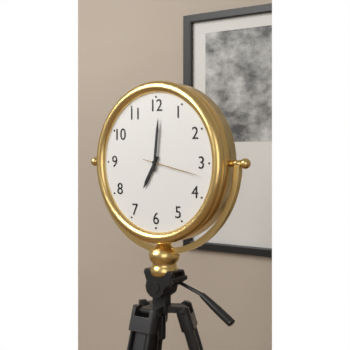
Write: 7h01m17s
